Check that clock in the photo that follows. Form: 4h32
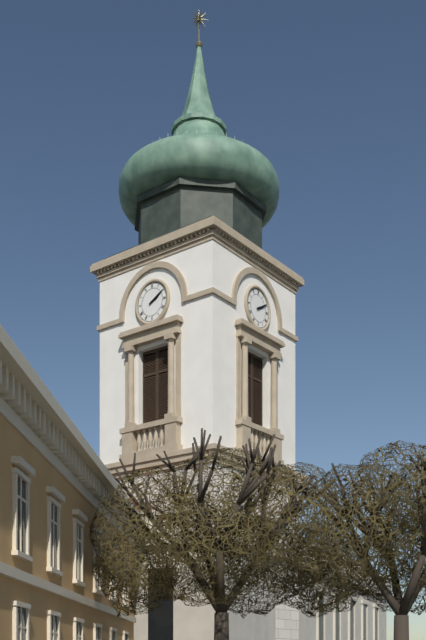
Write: 2h10
